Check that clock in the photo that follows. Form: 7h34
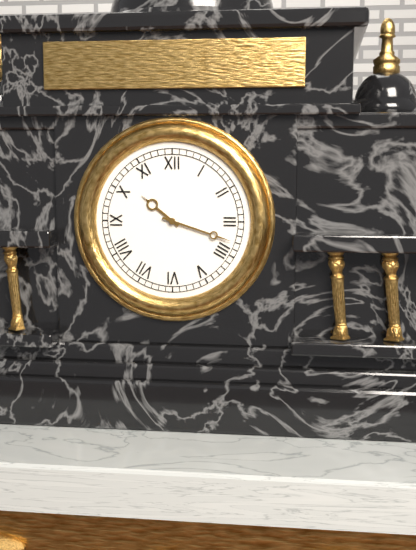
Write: 10h18
